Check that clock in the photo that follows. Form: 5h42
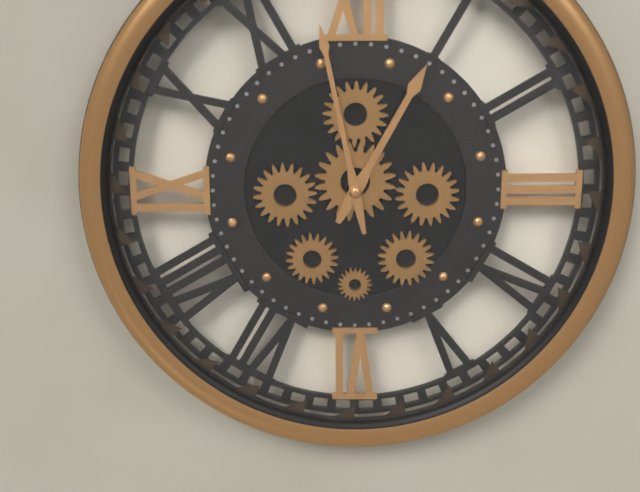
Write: 12h58
